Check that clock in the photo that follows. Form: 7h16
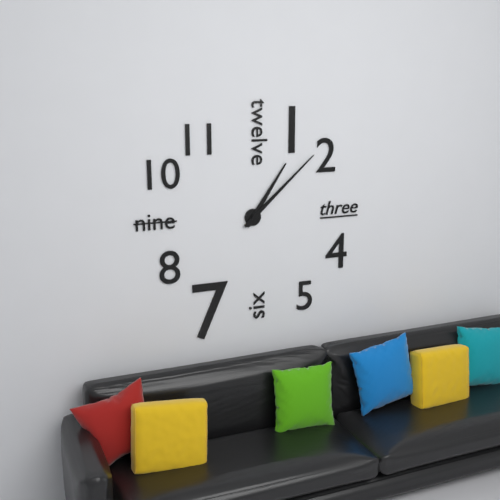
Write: 1h08
